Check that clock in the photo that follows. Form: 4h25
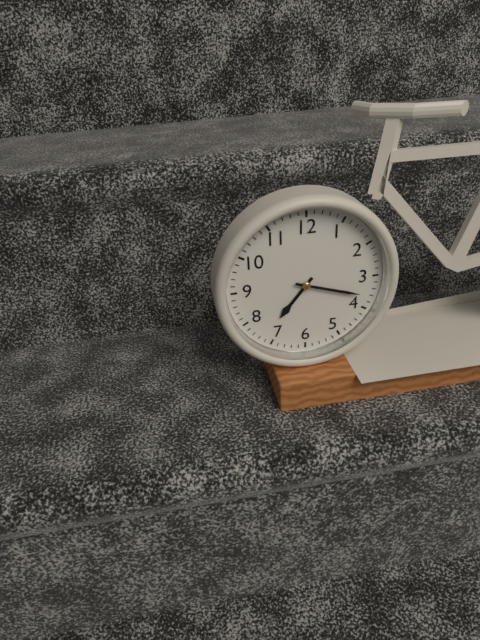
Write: 7h18
